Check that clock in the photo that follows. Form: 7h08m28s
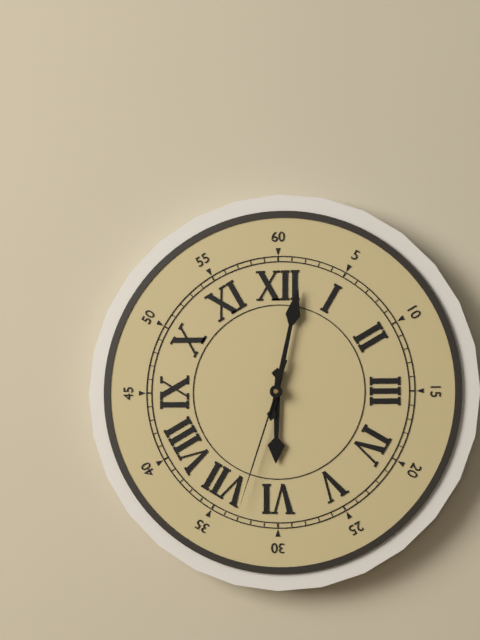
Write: 6h02m33s
